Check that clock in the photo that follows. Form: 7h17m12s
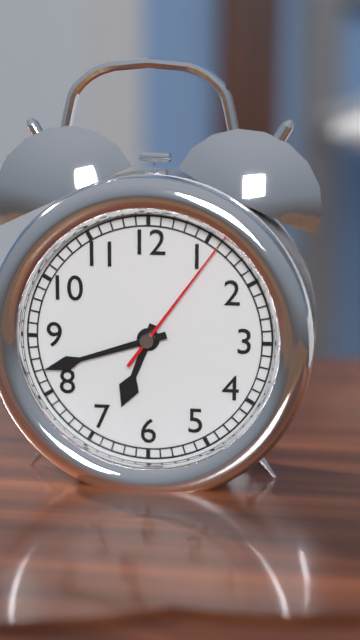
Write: 6h42m06s
